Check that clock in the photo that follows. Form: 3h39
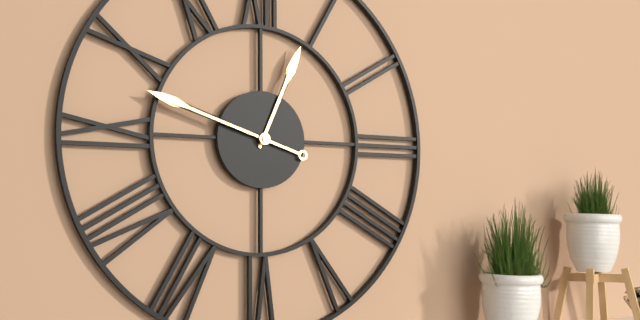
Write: 12h48
